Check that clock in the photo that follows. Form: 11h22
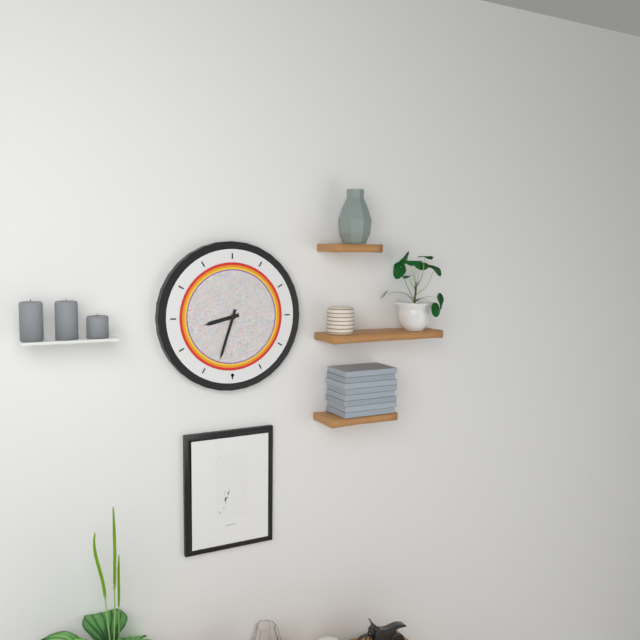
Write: 8h33
